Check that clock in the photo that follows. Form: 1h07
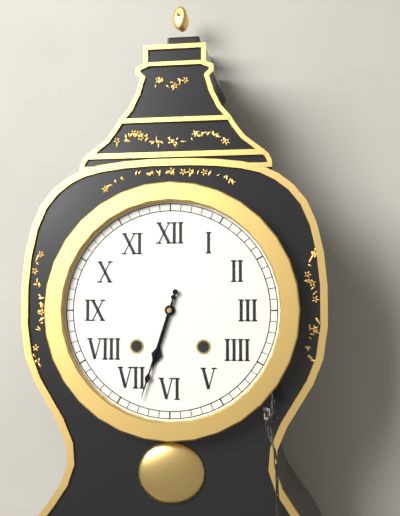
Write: 6h33
